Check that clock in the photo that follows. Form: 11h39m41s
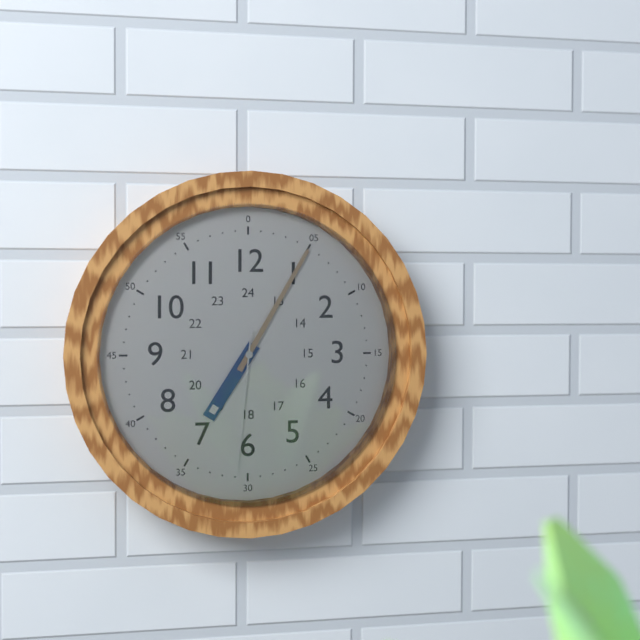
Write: 7h05m31s
